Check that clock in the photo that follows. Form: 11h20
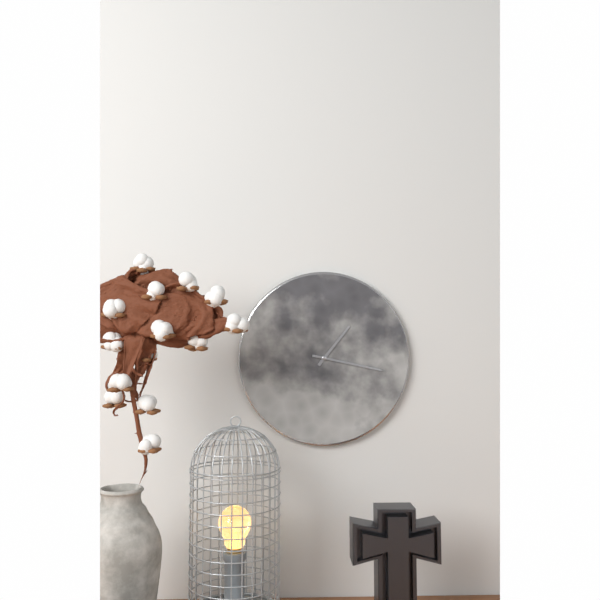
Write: 1h17
